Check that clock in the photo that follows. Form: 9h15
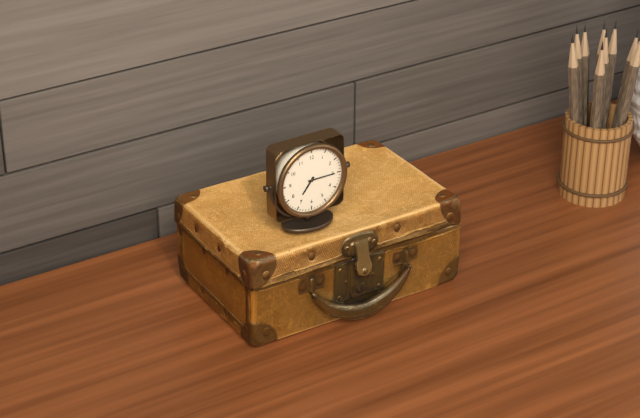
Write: 7h15
